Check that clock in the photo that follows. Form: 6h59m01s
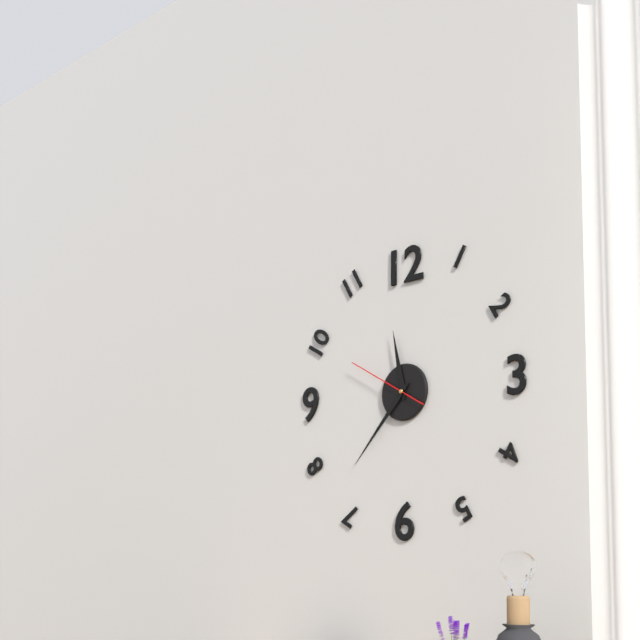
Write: 11h37m50s
